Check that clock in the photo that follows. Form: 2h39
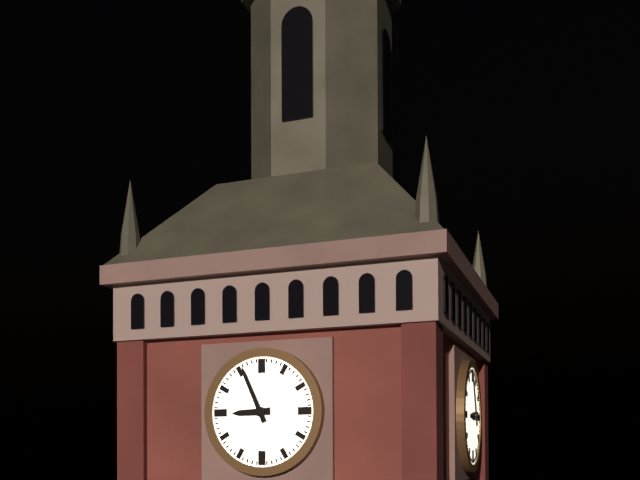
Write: 8h56
